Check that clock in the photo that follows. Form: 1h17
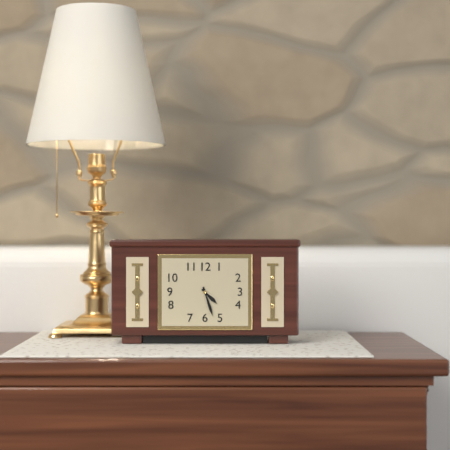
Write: 4h27
